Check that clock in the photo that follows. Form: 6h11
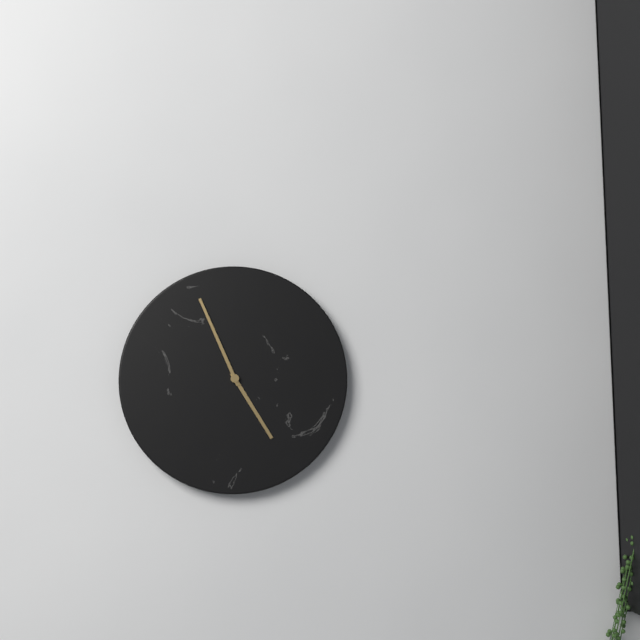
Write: 4h56
